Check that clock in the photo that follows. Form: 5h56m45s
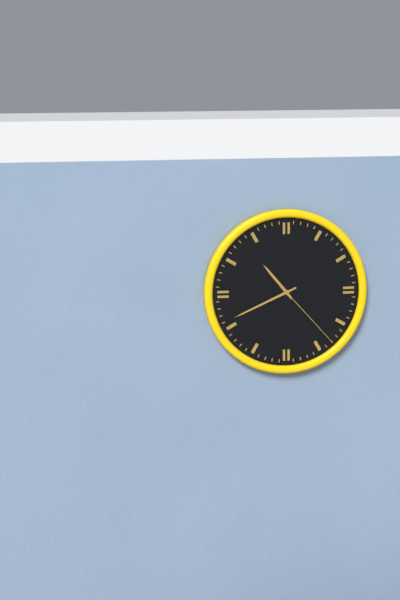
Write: 10h41m23s
